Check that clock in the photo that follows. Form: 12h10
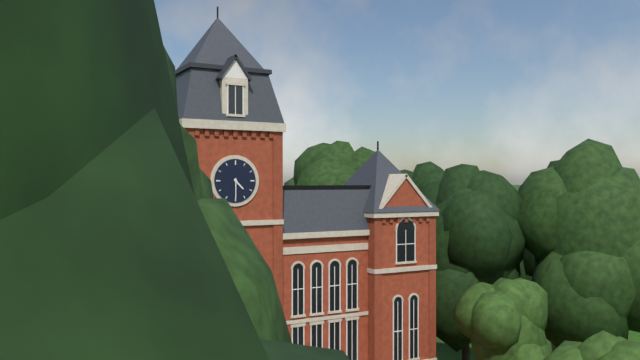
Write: 4h30
